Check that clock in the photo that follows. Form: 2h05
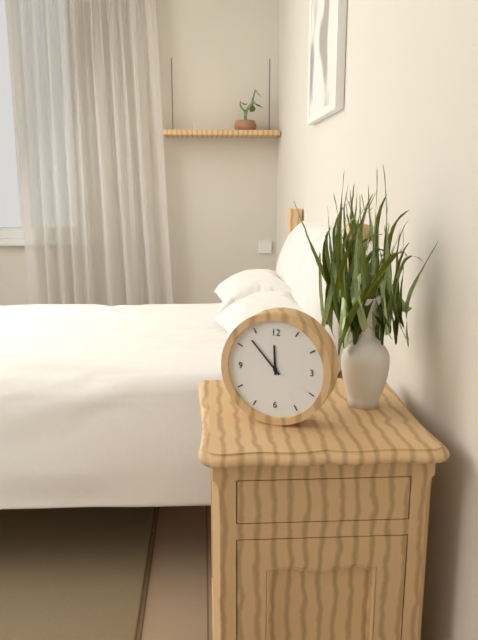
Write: 11h53
